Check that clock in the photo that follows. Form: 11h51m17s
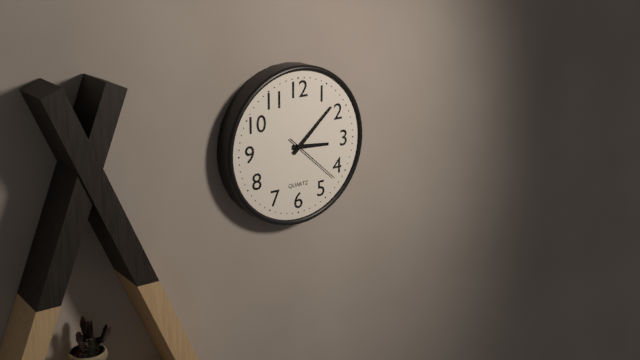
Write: 3h08m22s
